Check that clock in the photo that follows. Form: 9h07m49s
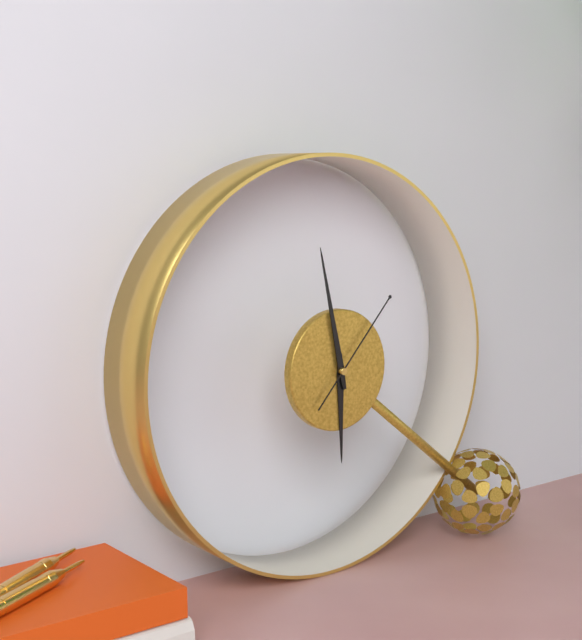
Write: 5h58m07s
